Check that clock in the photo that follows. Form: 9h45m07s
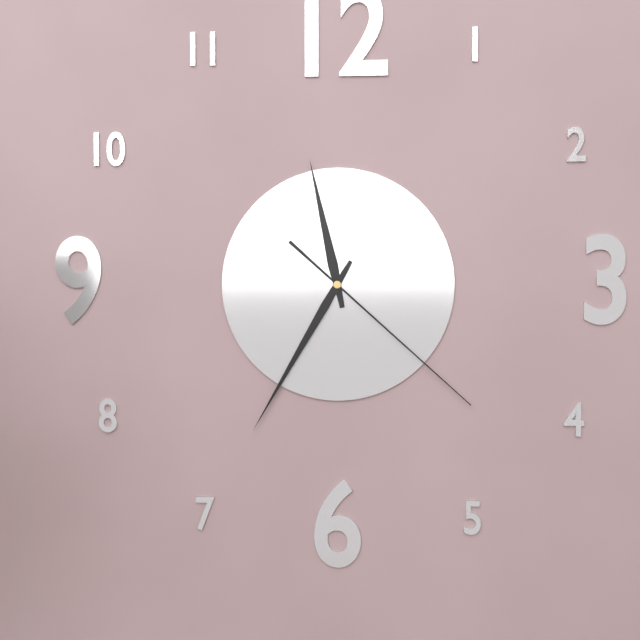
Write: 11h35m22s
